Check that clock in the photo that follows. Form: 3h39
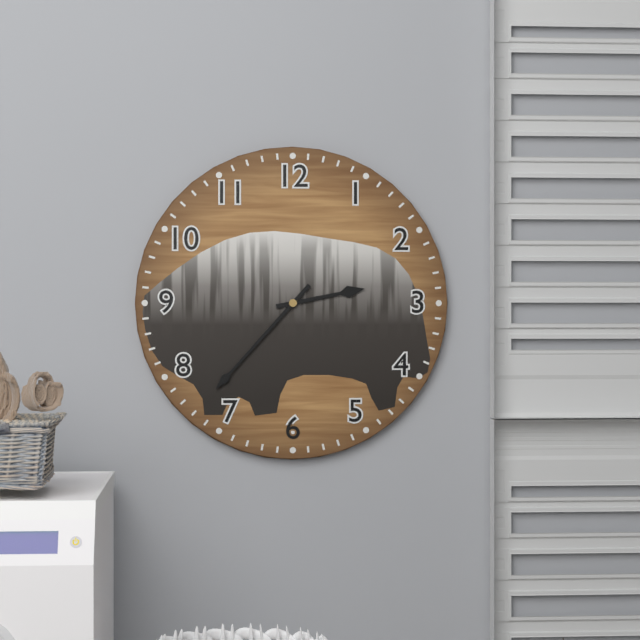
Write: 2h37
